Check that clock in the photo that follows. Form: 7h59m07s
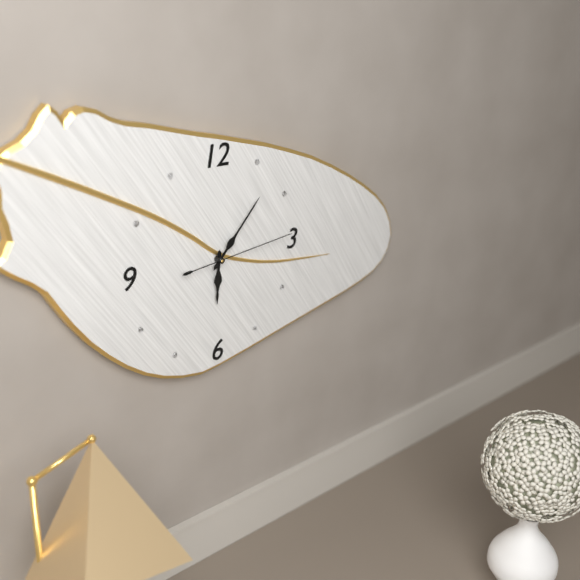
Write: 6h07m14s
